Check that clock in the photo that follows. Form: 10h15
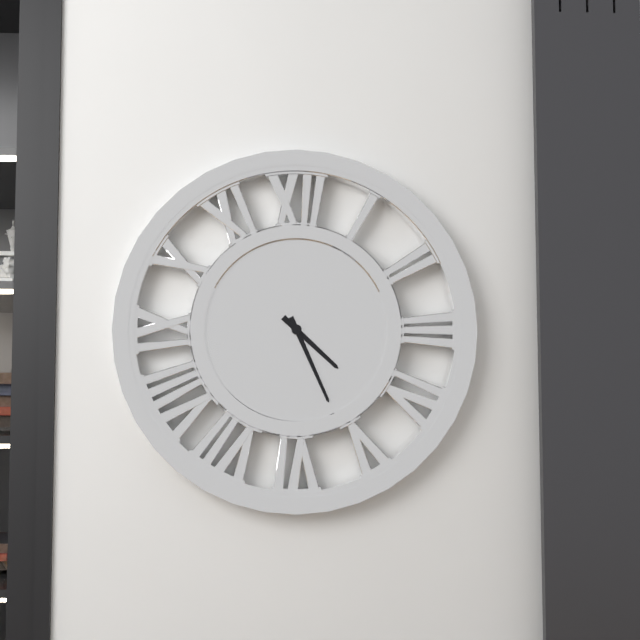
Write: 4h26
